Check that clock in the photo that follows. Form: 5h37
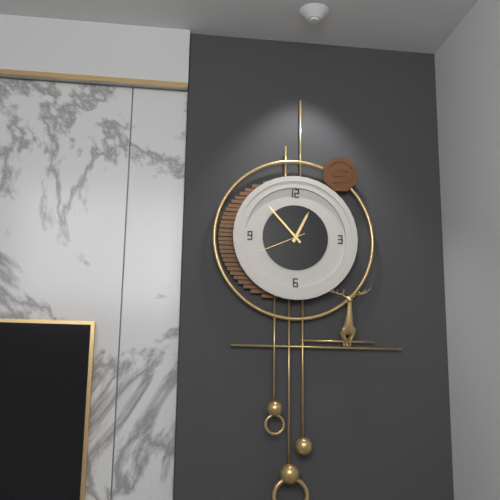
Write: 12h53
